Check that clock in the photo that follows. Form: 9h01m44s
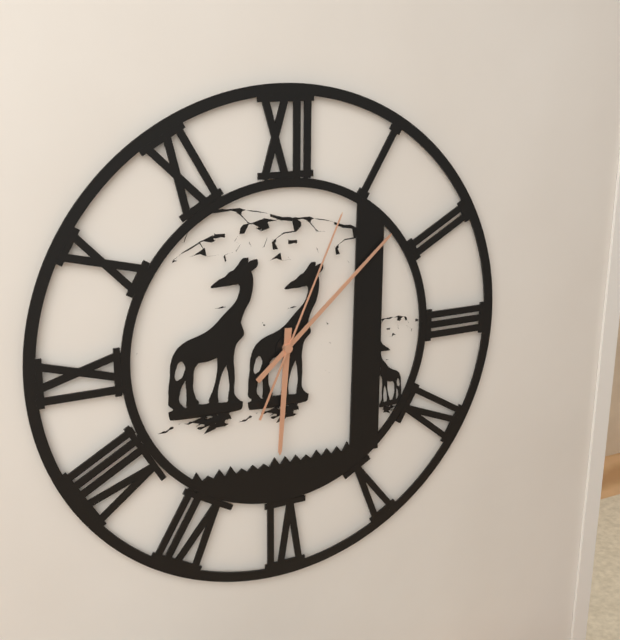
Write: 6h08m04s
